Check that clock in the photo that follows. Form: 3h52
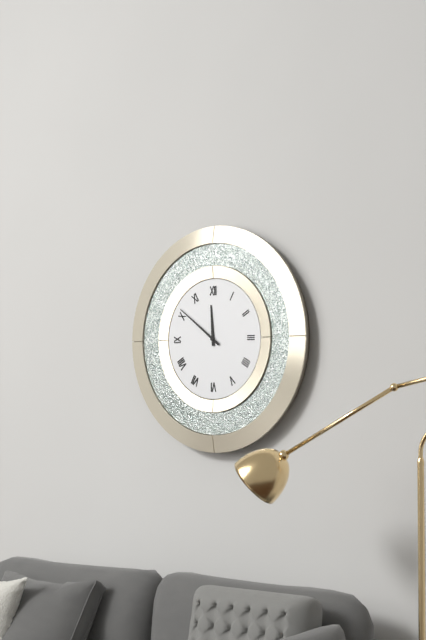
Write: 11h51
